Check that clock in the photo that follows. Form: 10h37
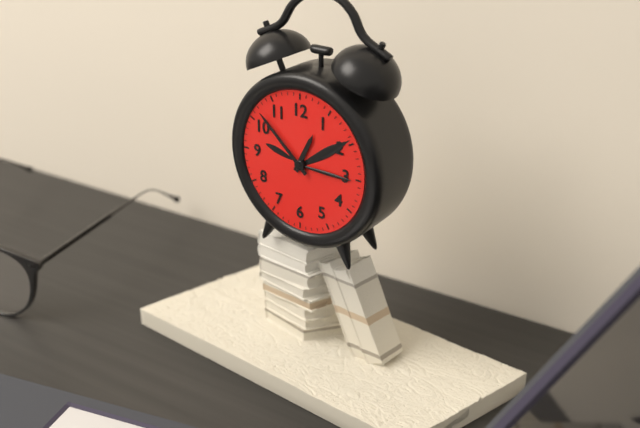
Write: 12h52
